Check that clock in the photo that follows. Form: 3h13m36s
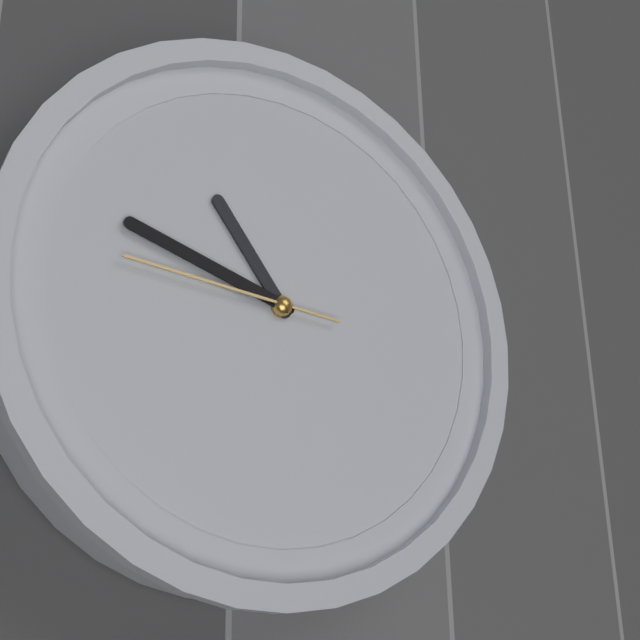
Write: 10h48m46s
